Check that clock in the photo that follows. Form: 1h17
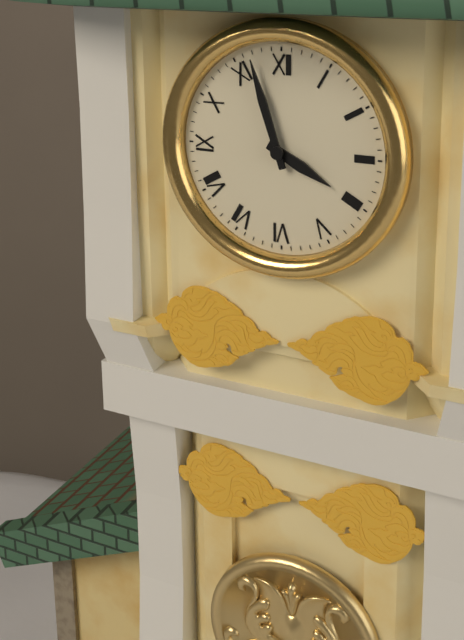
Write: 3h57
